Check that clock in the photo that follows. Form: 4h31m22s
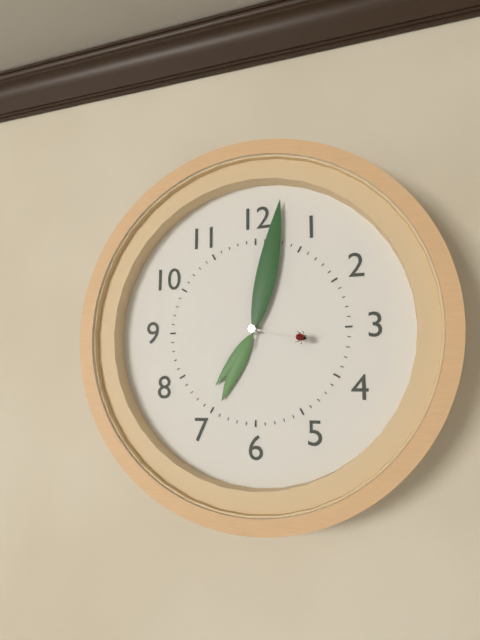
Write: 7h02m17s
